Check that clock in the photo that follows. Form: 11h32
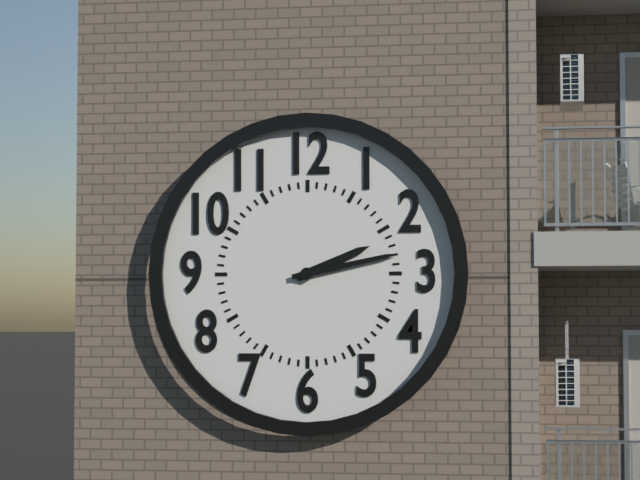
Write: 2h13
